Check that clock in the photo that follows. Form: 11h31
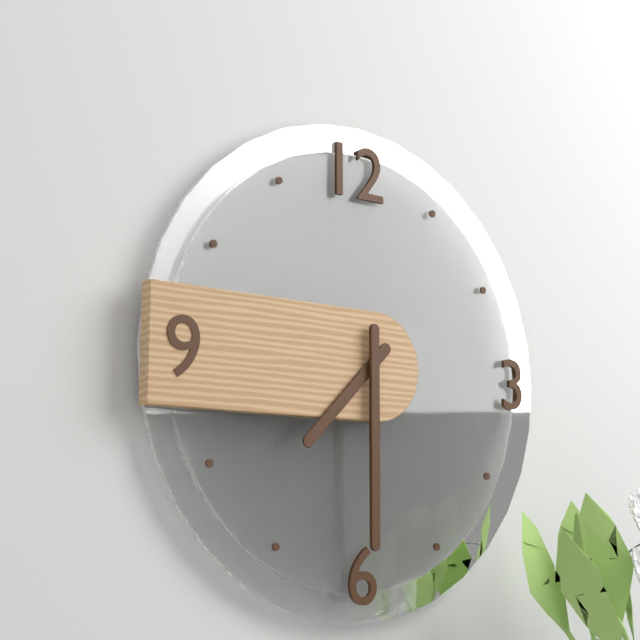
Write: 7h30
